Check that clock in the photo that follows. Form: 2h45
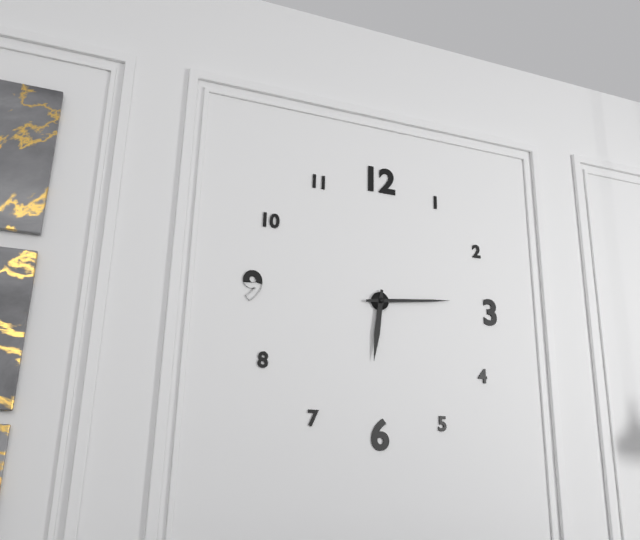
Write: 6h14
